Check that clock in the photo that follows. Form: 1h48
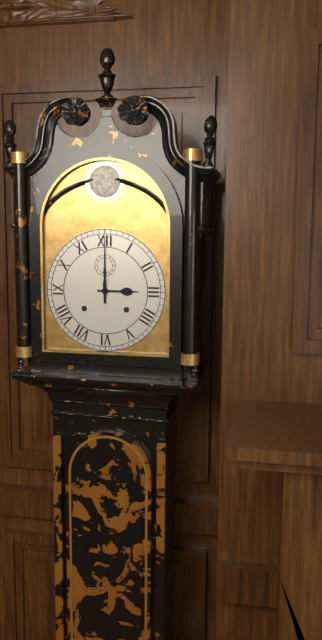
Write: 3h00
